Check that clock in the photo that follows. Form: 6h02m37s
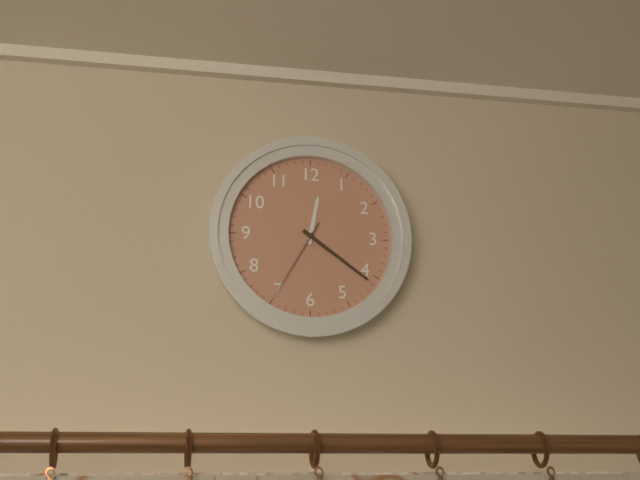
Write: 12h21m35s
